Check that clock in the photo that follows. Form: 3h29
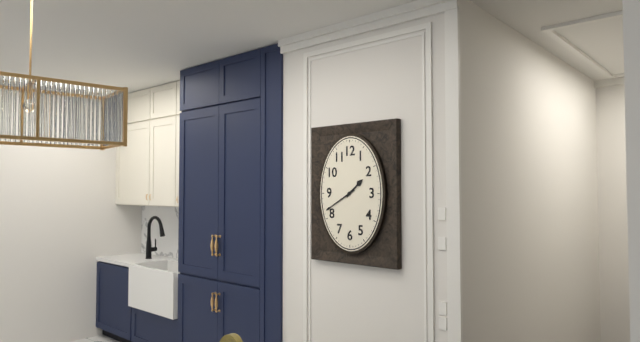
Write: 1h40
